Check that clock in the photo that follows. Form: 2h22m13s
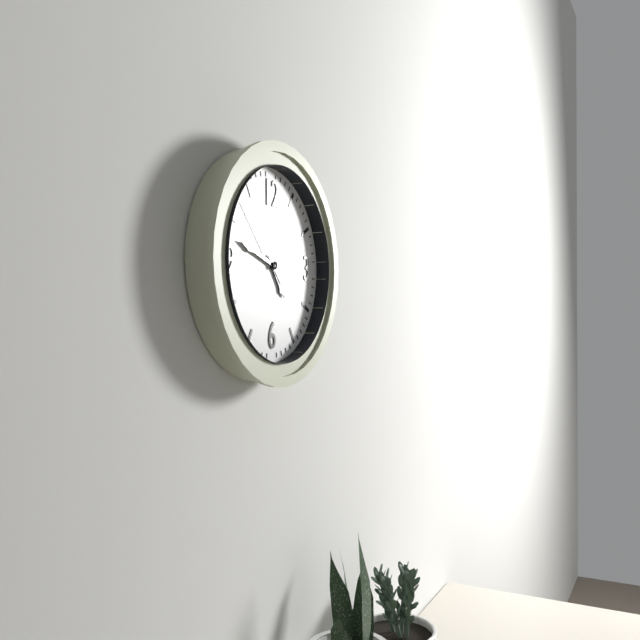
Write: 4h48m53s
